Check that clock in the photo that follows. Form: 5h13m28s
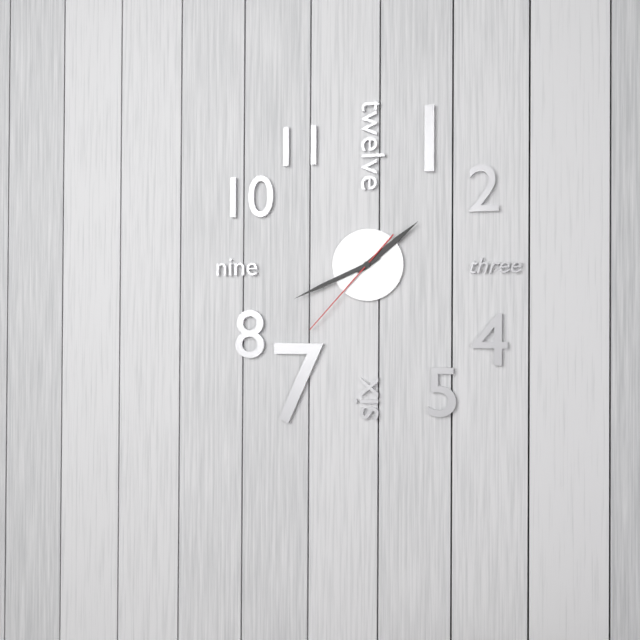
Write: 1h41m37s
